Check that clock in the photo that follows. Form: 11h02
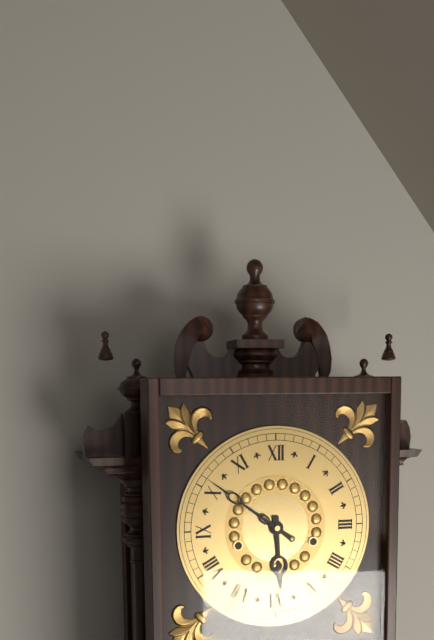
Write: 5h51
